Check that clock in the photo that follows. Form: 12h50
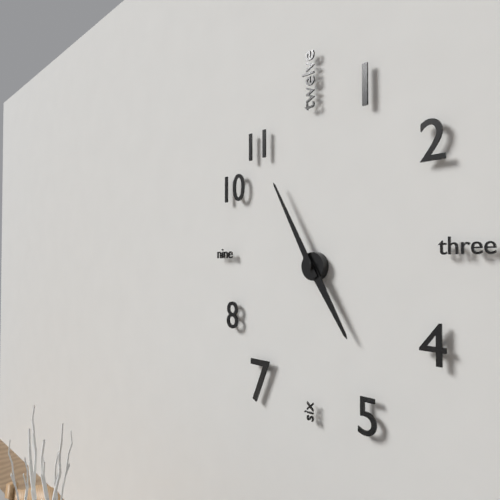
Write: 4h55
